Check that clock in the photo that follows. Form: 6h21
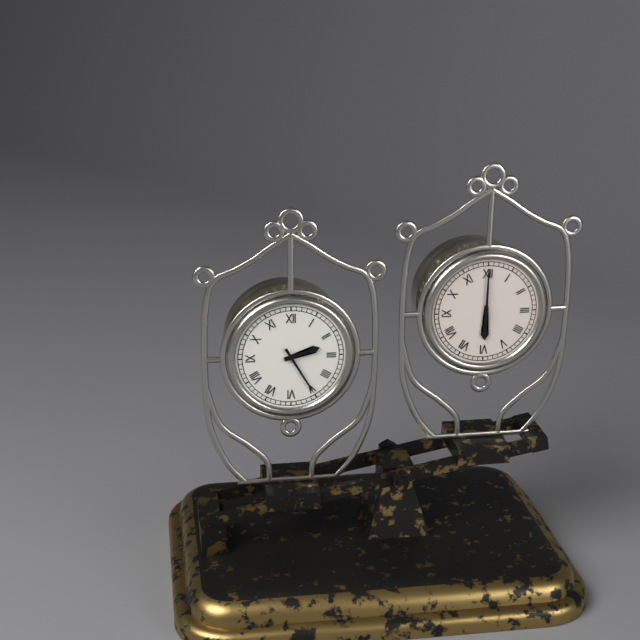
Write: 2h25
